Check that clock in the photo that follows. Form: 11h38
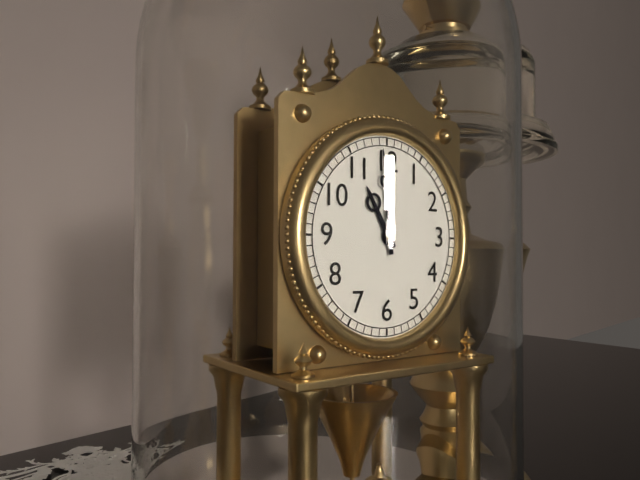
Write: 10h59
